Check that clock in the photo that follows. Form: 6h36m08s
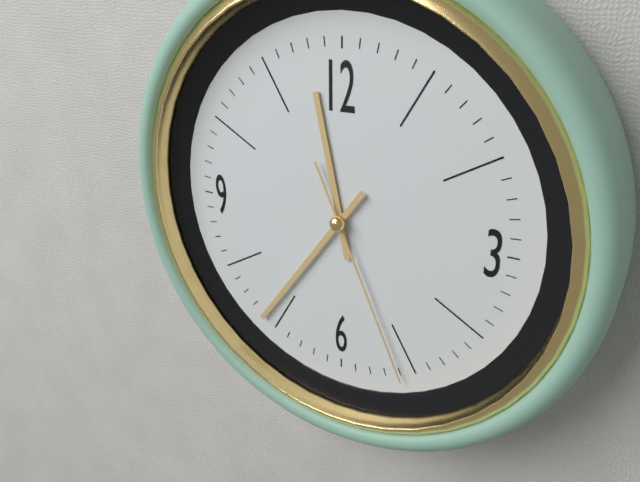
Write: 11h36m26s
